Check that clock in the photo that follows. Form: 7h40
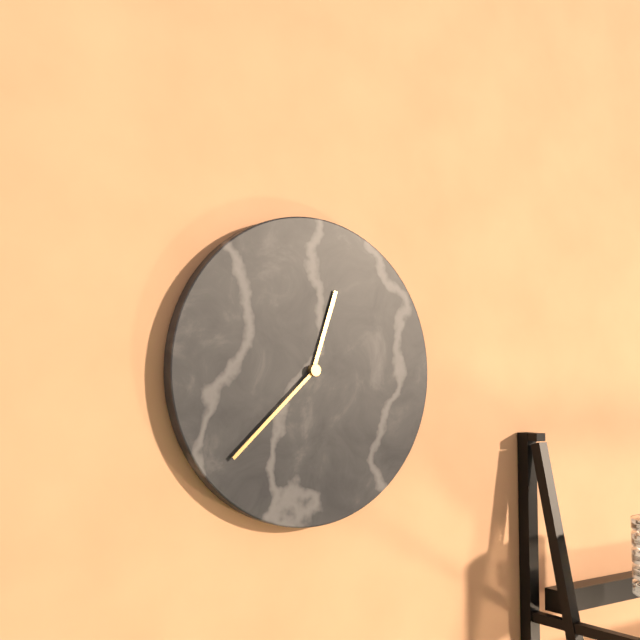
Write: 12h38
